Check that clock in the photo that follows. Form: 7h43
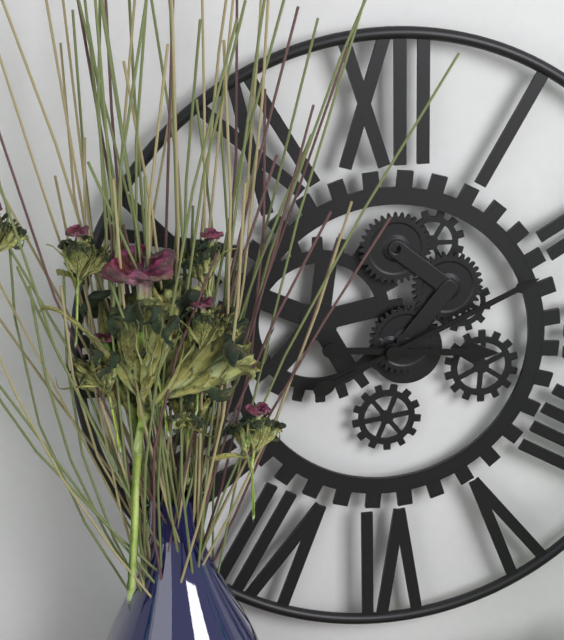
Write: 3h11
